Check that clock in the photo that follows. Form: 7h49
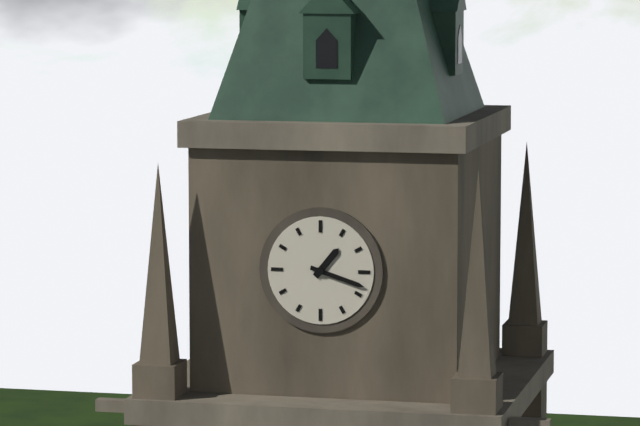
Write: 1h18
